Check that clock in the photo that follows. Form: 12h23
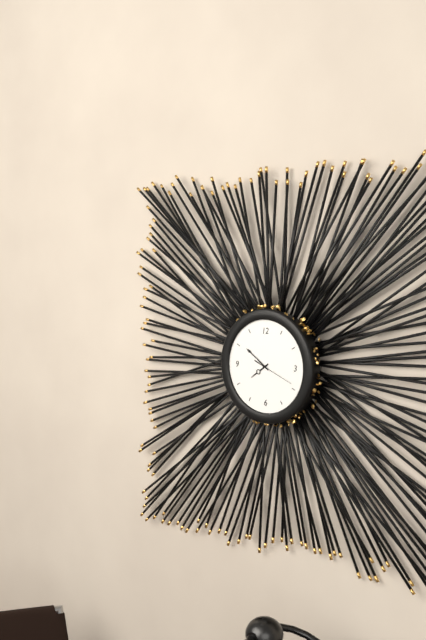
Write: 7h51
